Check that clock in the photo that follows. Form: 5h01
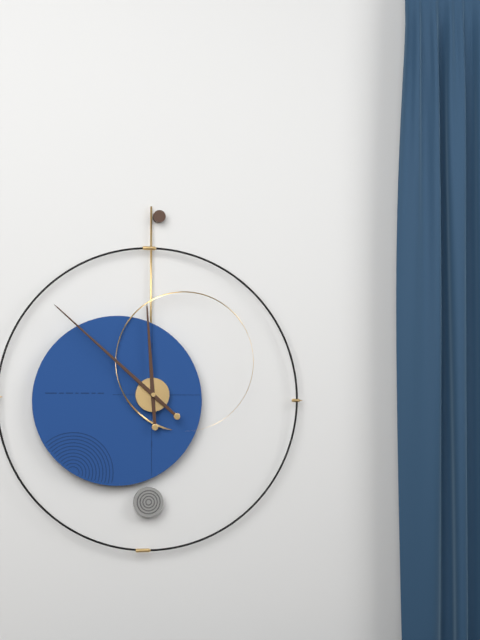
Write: 11h52
